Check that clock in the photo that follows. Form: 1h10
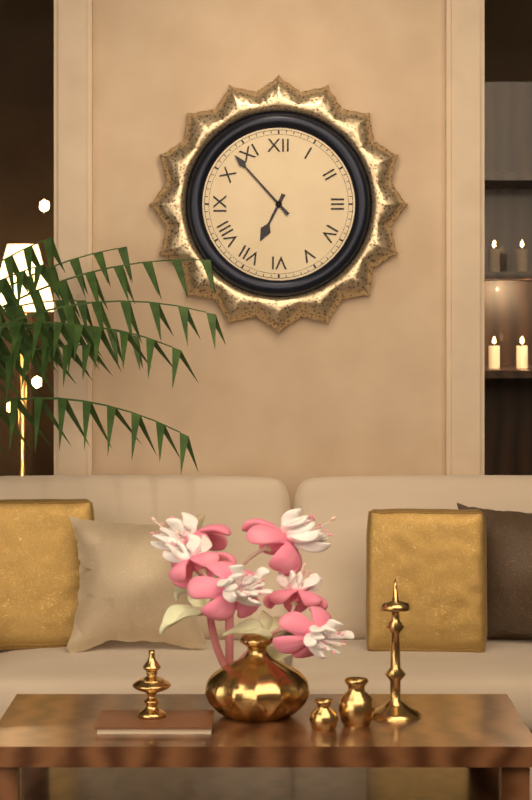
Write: 6h53
